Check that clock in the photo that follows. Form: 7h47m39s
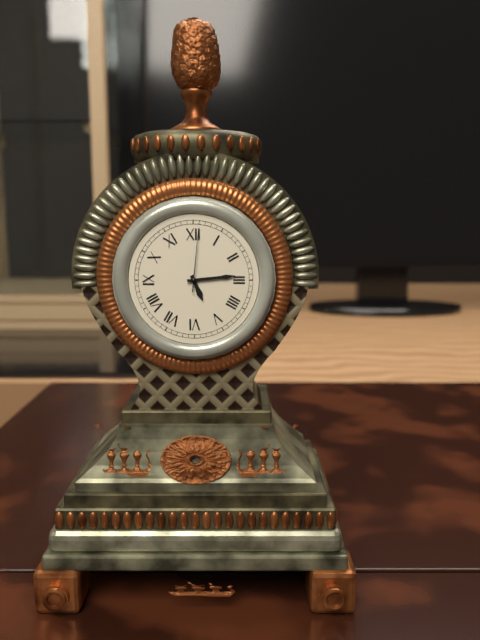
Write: 5h14m01s
